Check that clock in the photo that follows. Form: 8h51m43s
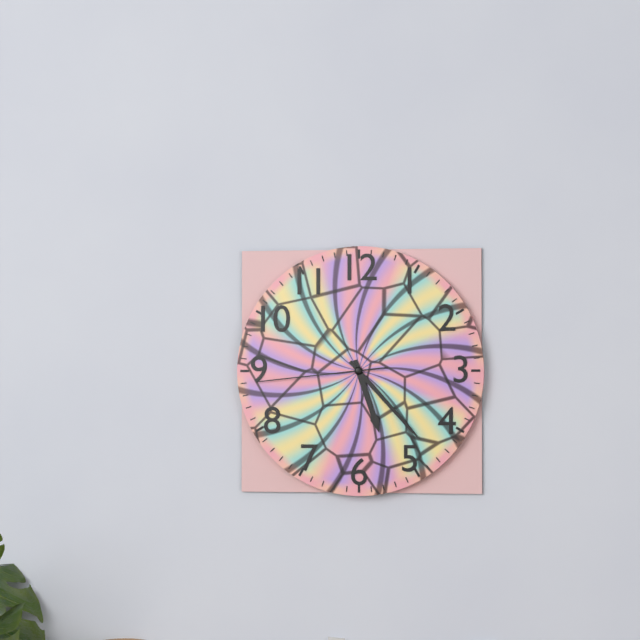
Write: 5h23m44s
